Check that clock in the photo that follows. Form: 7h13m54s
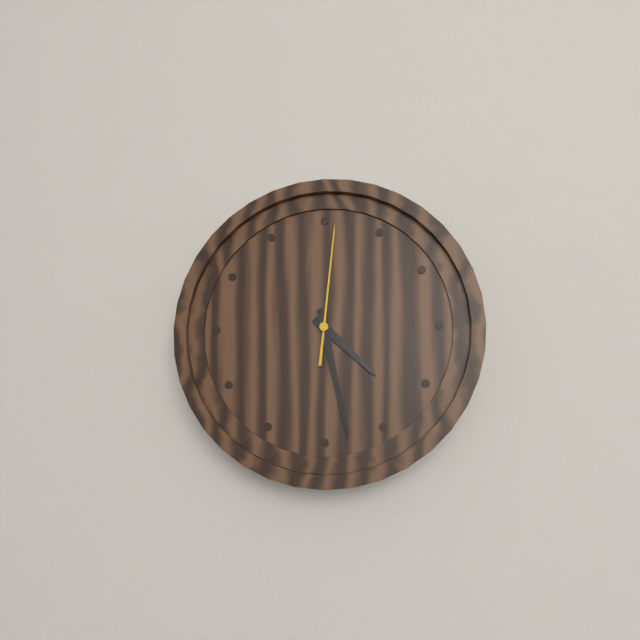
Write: 4h28m01s
